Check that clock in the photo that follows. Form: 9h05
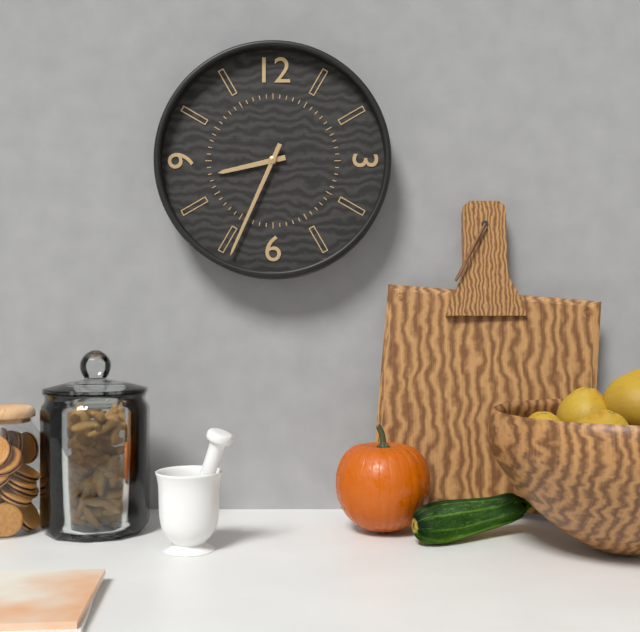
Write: 8h34
